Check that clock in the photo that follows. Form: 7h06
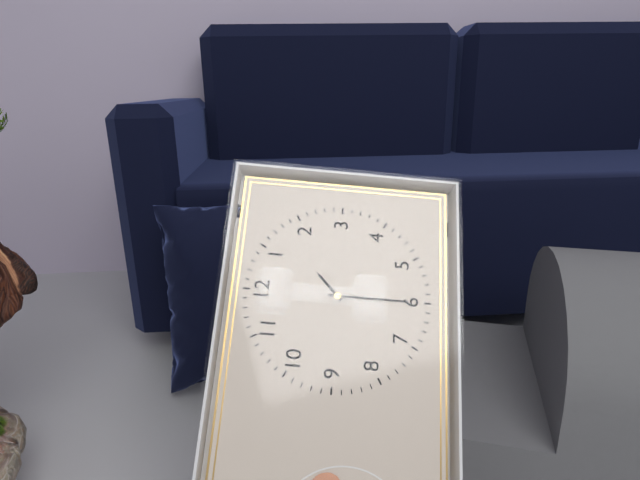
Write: 1h30
